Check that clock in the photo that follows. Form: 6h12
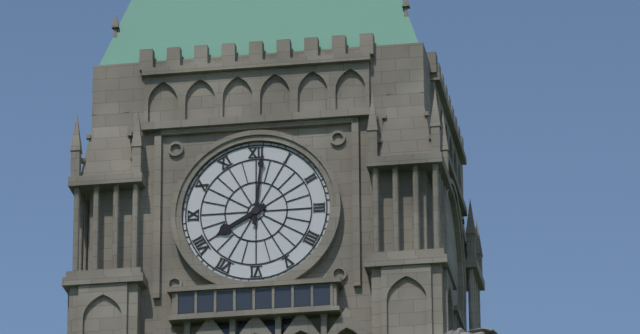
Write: 8h01
